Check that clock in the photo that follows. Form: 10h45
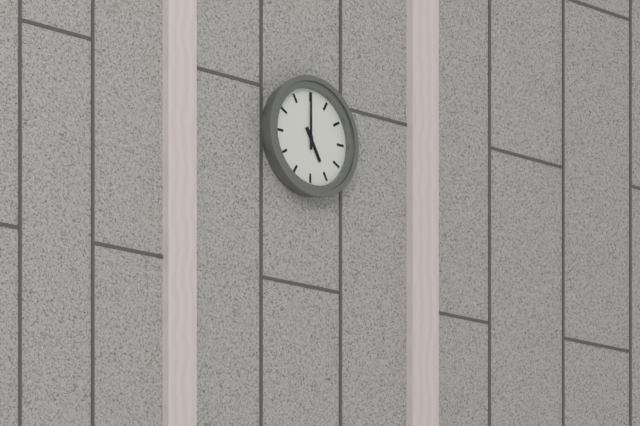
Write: 5h00
